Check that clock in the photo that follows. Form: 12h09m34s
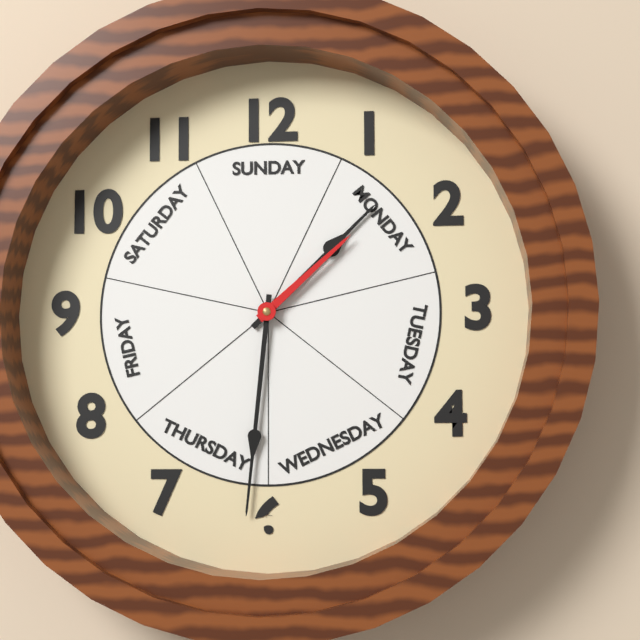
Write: 1h31m08s
